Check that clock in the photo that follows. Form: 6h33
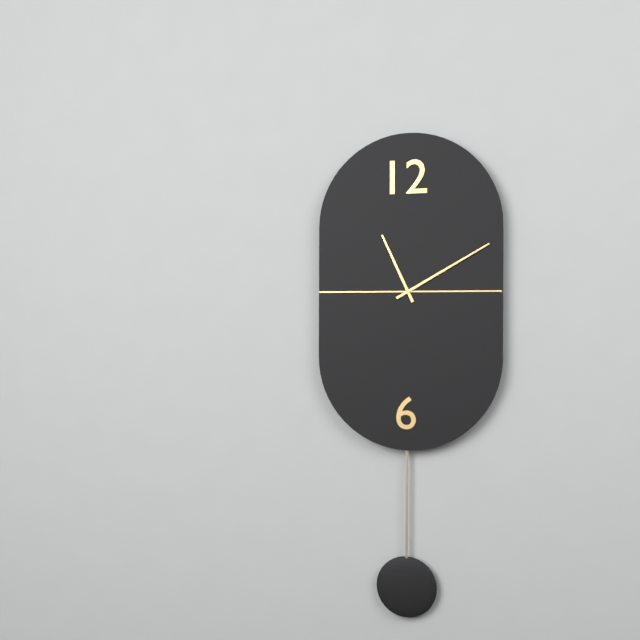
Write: 11h10
